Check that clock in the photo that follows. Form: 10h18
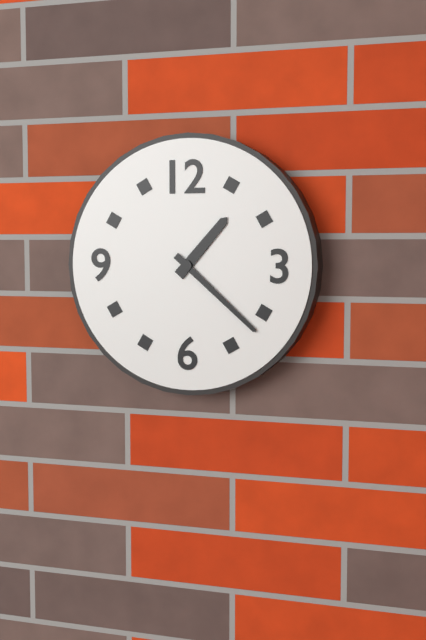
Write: 1h22
